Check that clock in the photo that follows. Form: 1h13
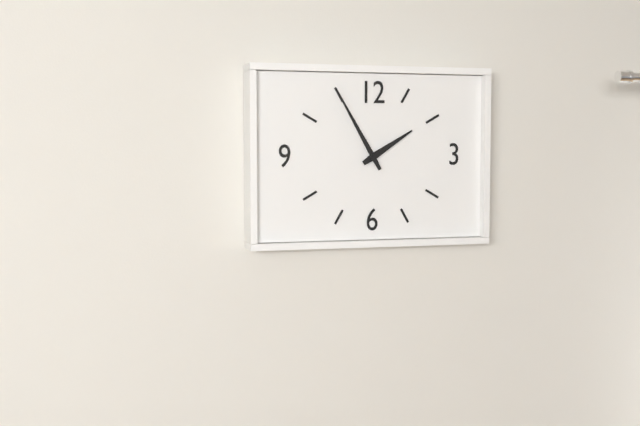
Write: 1h55
